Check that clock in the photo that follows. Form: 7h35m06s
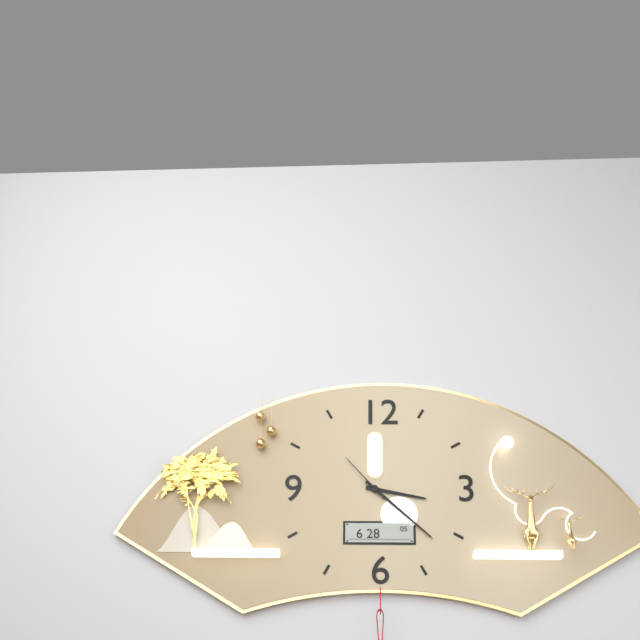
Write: 3h22m53s
